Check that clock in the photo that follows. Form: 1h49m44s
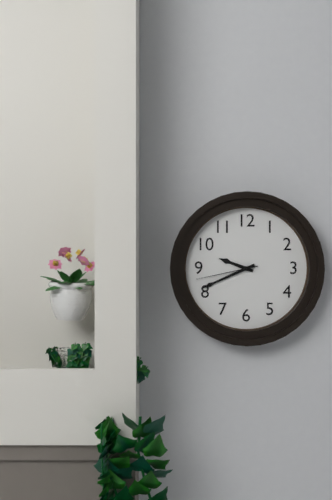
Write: 9h41m43s
